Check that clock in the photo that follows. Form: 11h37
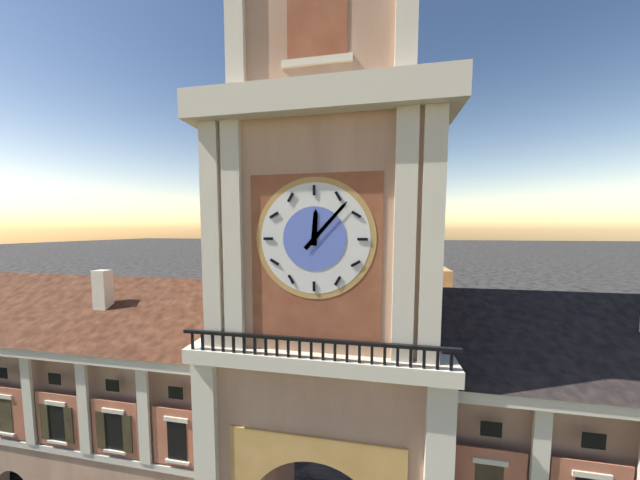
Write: 12h07
